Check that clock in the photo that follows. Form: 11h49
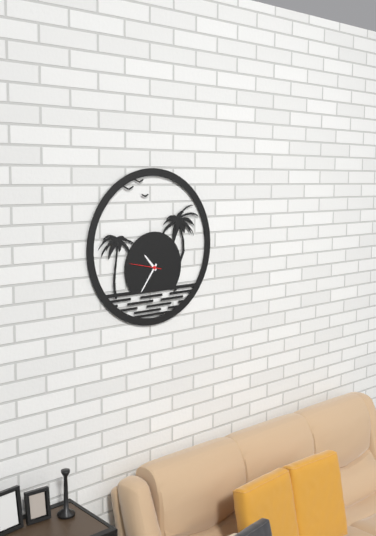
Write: 10h36
